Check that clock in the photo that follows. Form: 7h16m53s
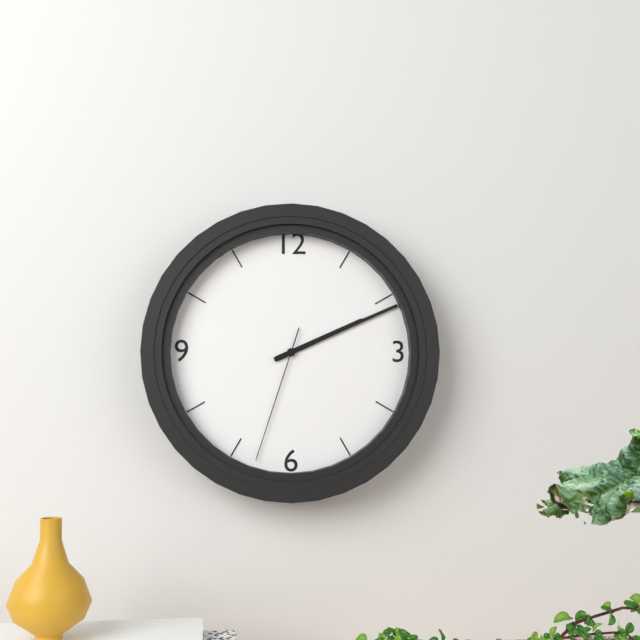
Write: 2h11m33s
